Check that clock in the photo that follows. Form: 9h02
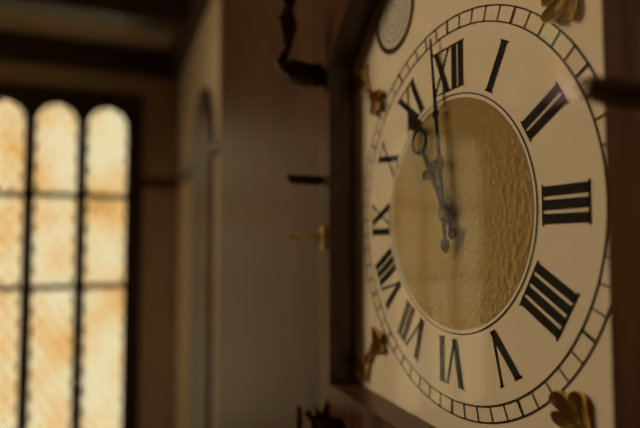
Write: 10h59
